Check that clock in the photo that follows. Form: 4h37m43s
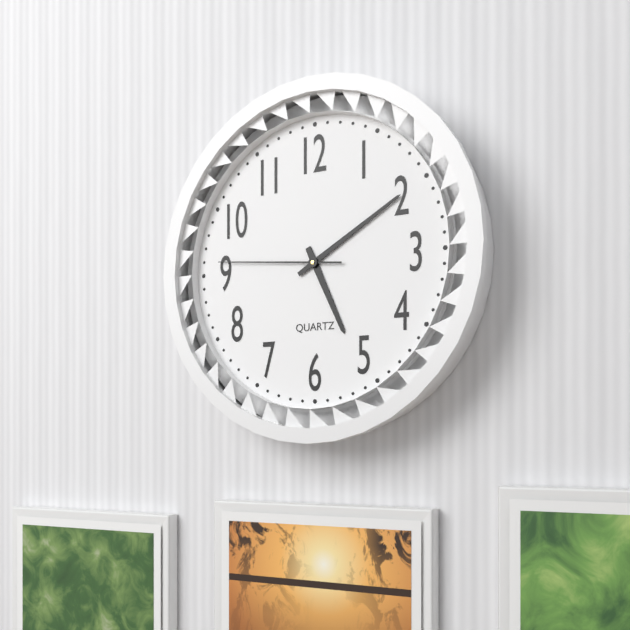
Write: 5h10m46s
